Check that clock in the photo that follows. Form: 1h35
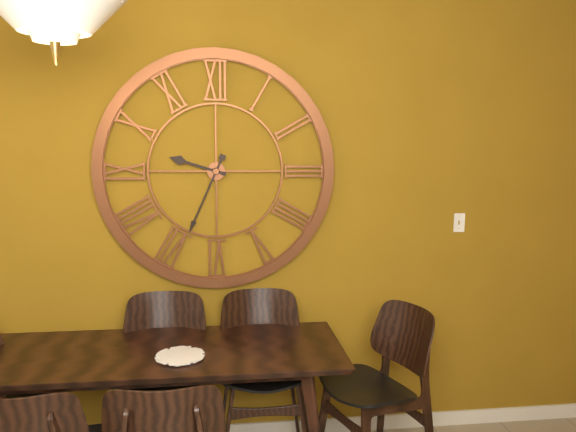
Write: 9h34
